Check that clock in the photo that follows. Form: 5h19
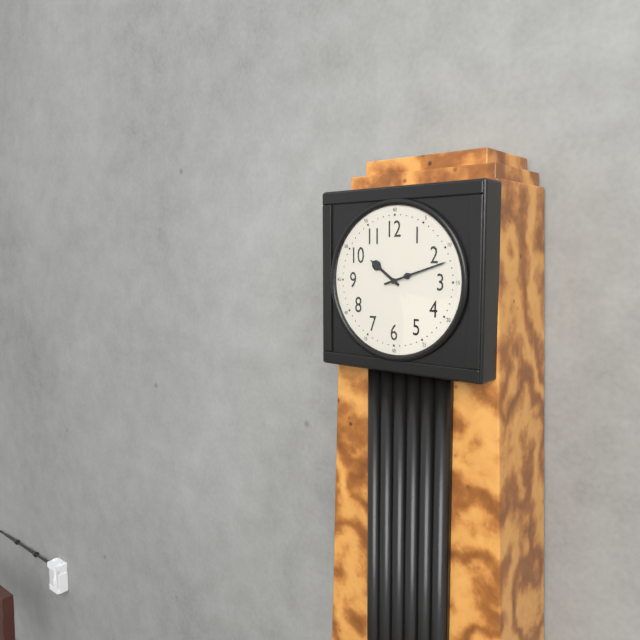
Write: 10h12
